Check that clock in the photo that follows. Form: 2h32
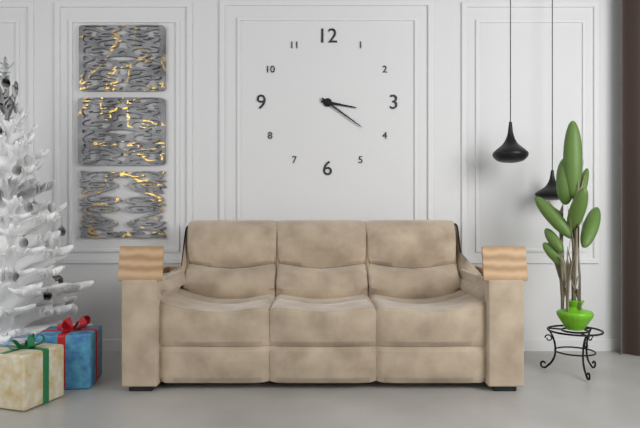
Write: 3h21
